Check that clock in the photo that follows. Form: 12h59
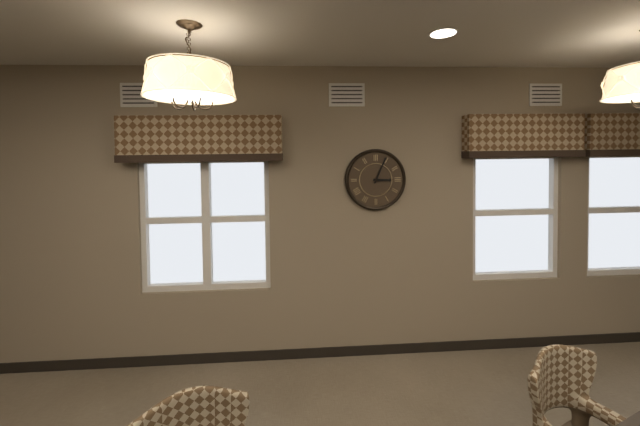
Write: 3h04
